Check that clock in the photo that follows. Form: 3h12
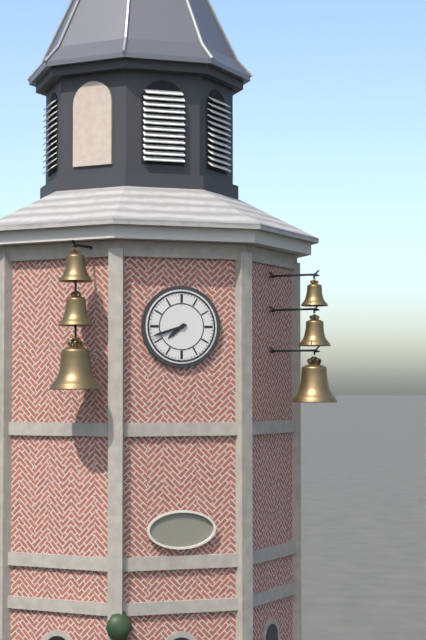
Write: 7h42
